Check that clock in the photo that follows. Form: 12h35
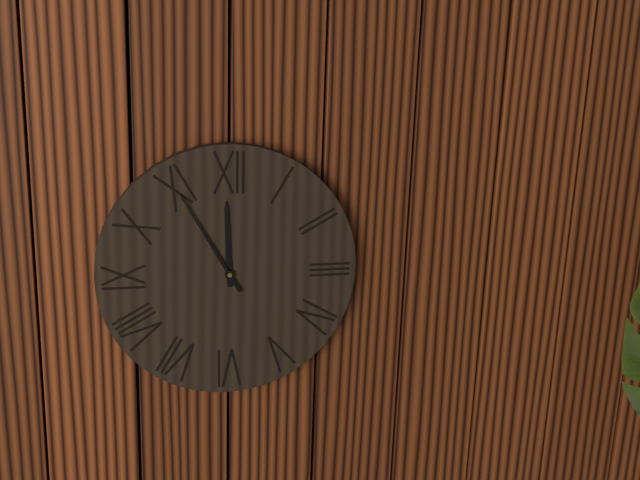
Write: 11h55
